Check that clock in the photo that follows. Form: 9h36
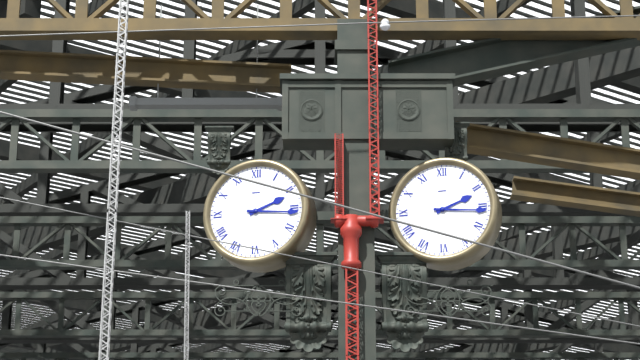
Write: 2h16
